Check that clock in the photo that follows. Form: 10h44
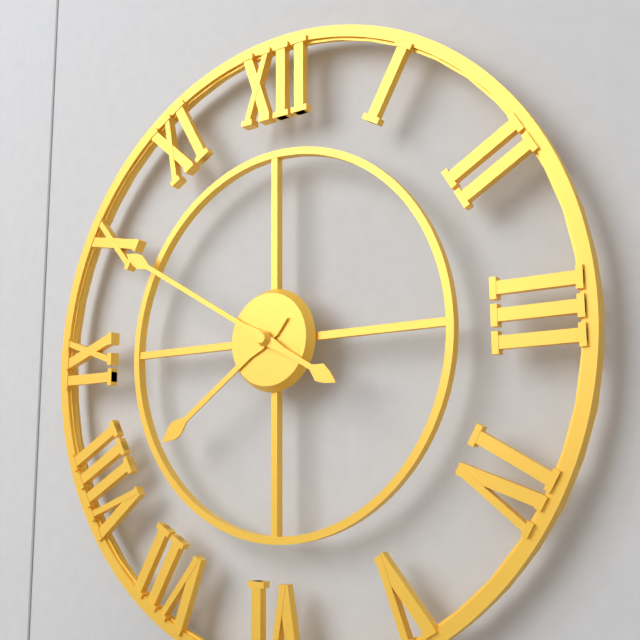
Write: 7h50
